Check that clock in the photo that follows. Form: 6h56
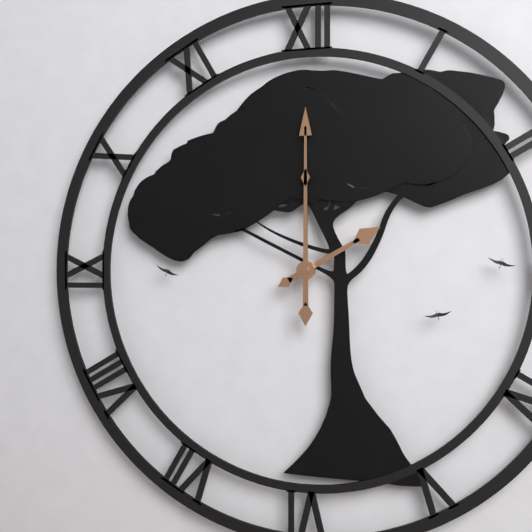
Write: 2h00
